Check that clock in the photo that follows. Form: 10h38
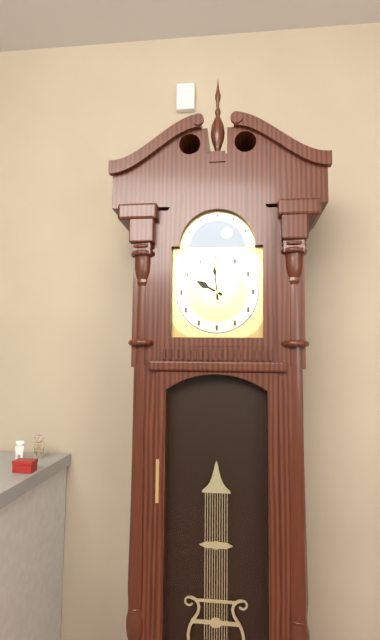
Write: 9h59
